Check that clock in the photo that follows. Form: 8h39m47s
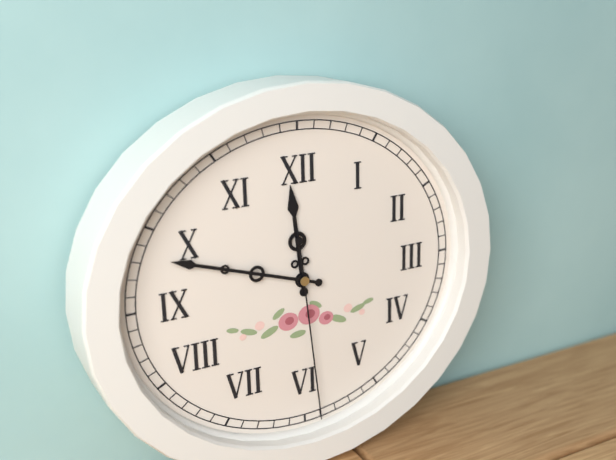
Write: 11h48m29s
